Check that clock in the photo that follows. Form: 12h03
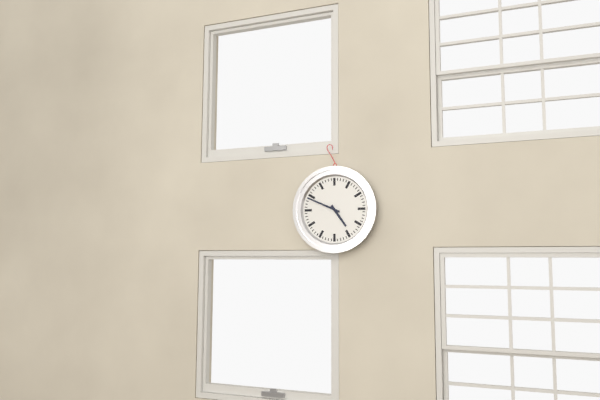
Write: 4h49
